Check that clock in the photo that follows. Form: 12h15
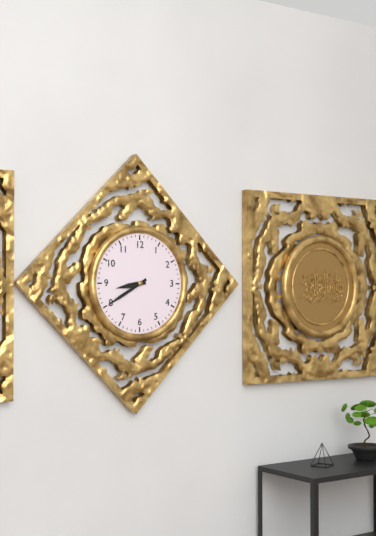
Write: 8h40
